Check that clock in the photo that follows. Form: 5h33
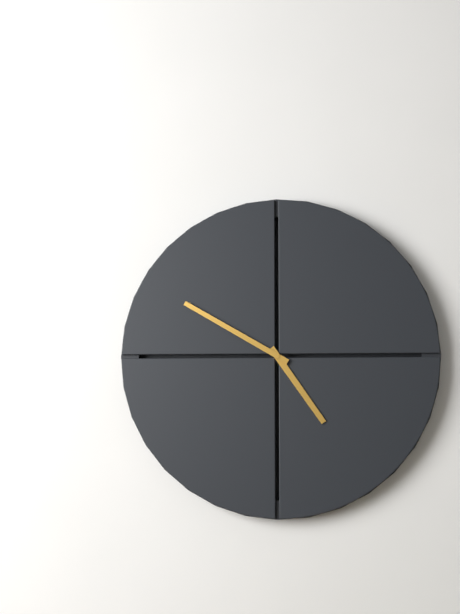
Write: 4h50
